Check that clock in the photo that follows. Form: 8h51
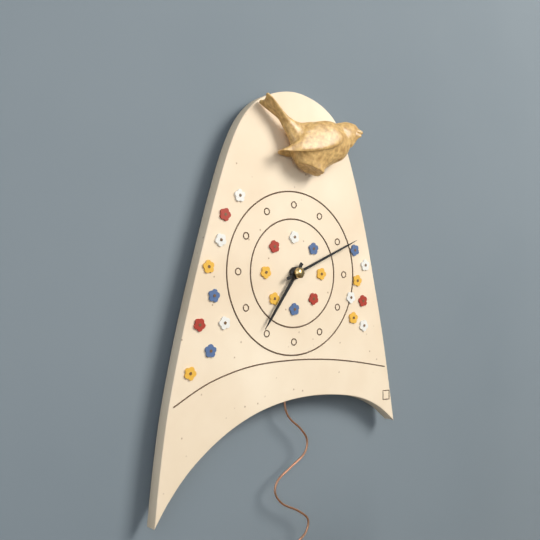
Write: 7h11
